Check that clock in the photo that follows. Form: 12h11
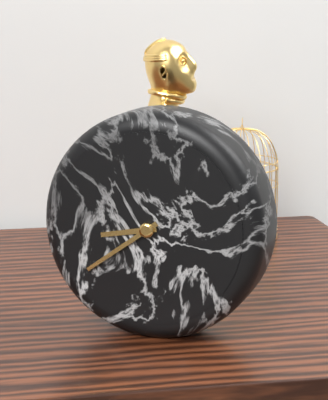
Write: 8h39
